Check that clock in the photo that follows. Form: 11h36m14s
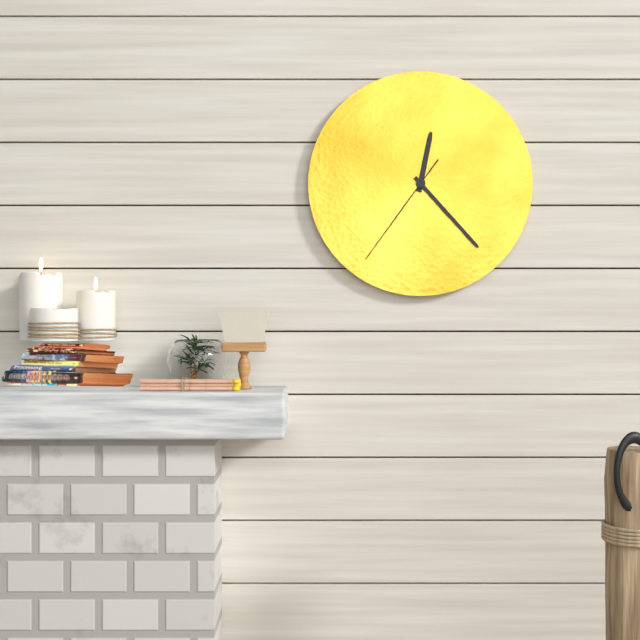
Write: 12h23m36s
